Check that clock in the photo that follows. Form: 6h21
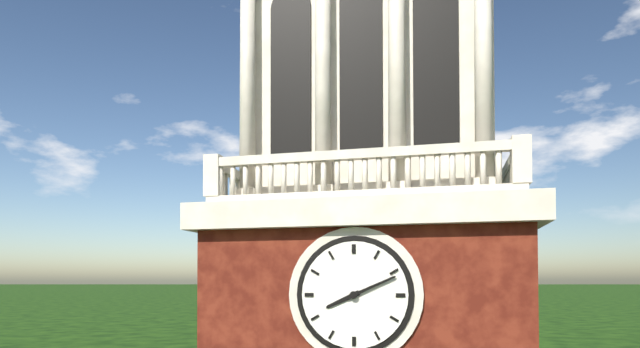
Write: 8h11
